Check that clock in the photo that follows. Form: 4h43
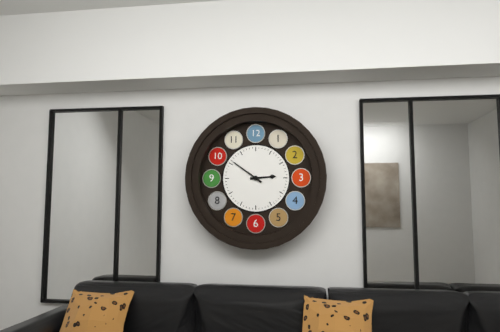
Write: 2h51
